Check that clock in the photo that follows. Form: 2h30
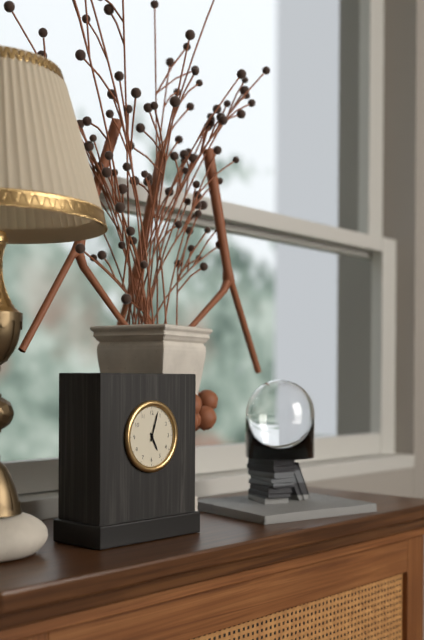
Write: 5h03
